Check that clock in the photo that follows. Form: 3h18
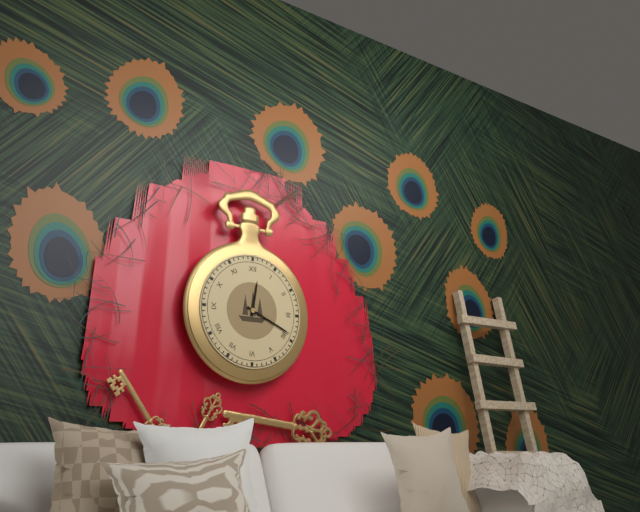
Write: 12h19
